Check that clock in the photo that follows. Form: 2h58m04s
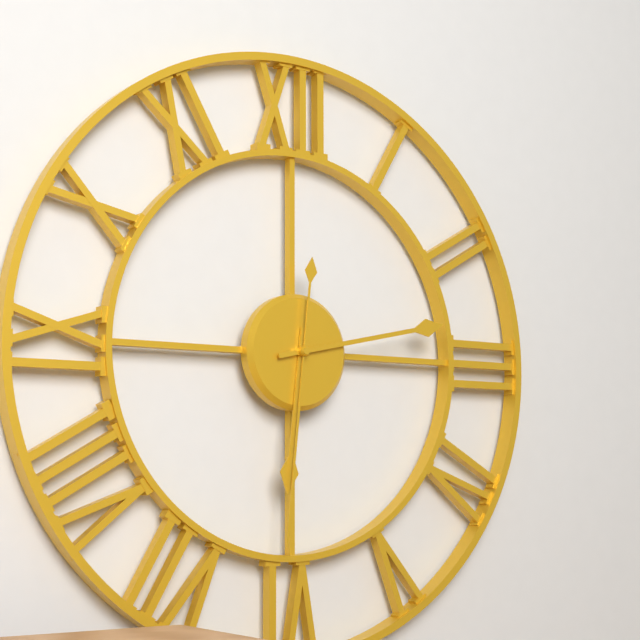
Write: 6h13m31s
